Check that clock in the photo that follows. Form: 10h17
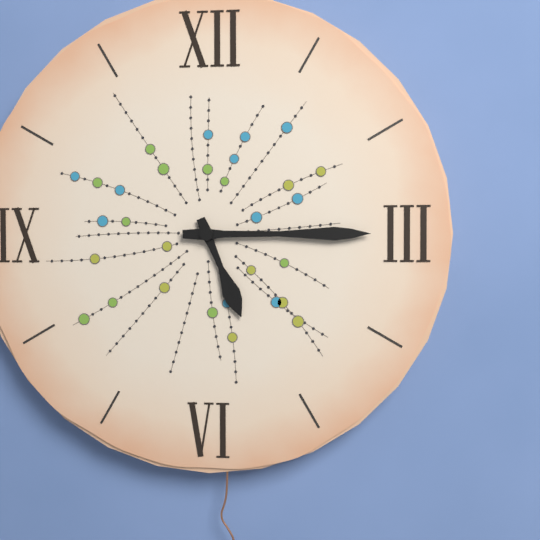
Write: 5h15
